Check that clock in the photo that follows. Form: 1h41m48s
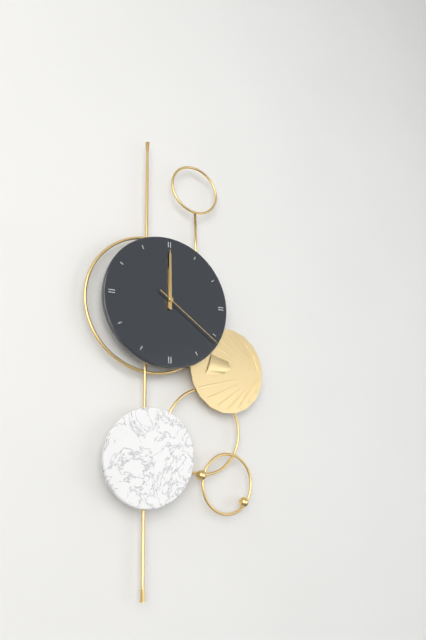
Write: 12h00m21s
